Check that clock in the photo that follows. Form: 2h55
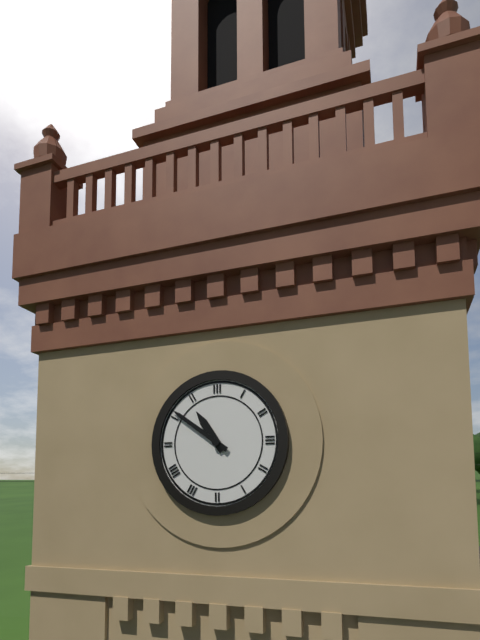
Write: 10h51
